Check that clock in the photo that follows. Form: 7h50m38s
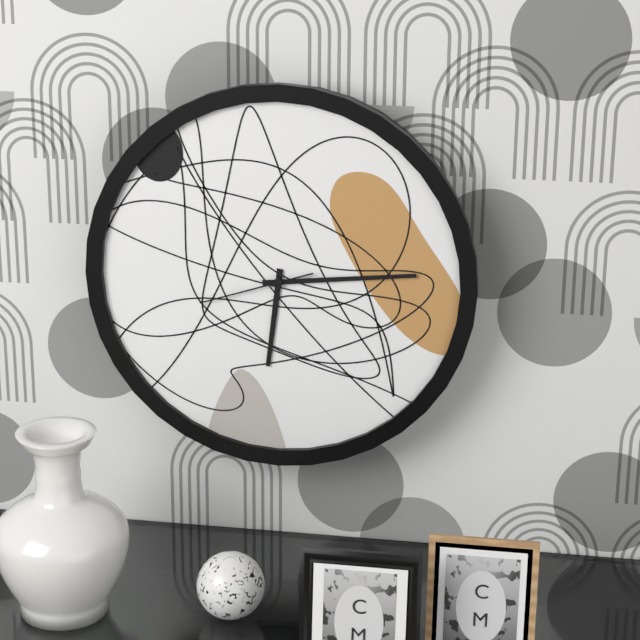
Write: 6h14m42s
